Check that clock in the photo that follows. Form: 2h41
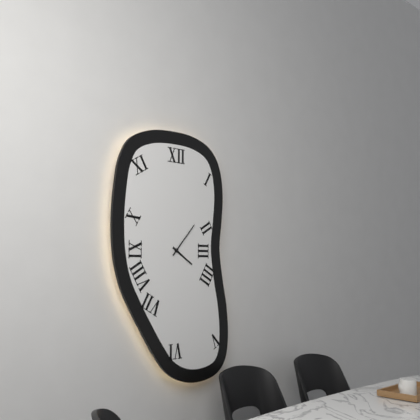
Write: 4h07
